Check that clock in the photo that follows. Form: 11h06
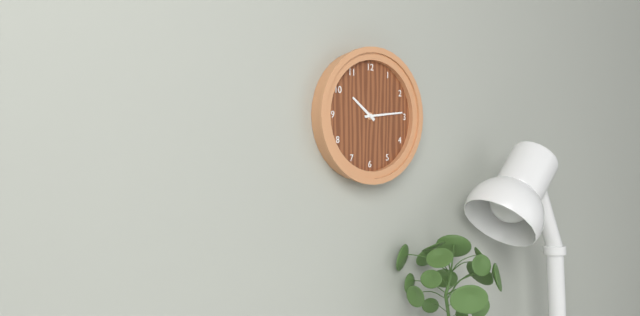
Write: 10h14
